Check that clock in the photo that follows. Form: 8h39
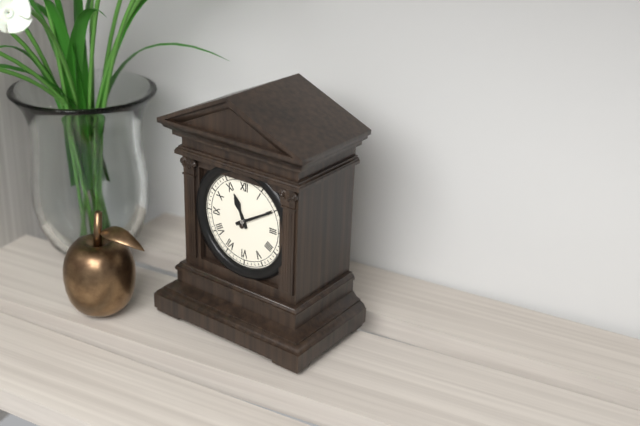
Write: 11h10
